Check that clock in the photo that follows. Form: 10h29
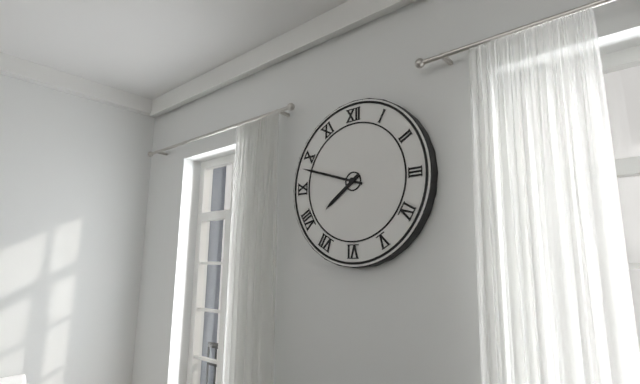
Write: 7h48
